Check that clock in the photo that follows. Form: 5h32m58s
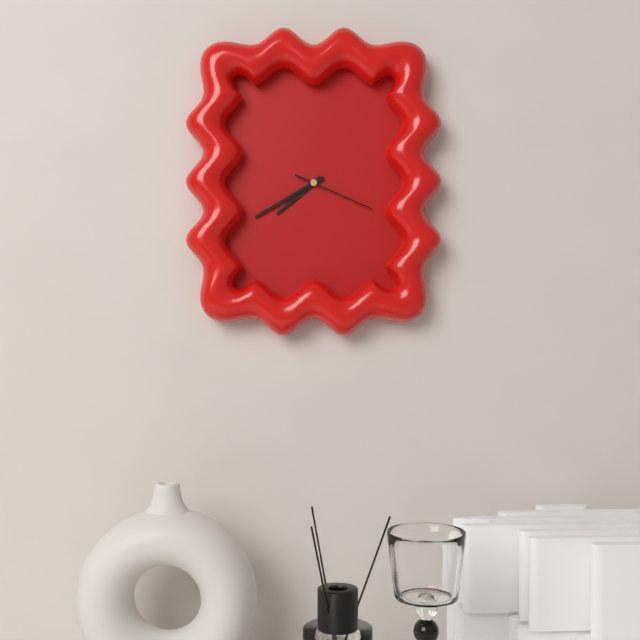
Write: 7h40m19s
